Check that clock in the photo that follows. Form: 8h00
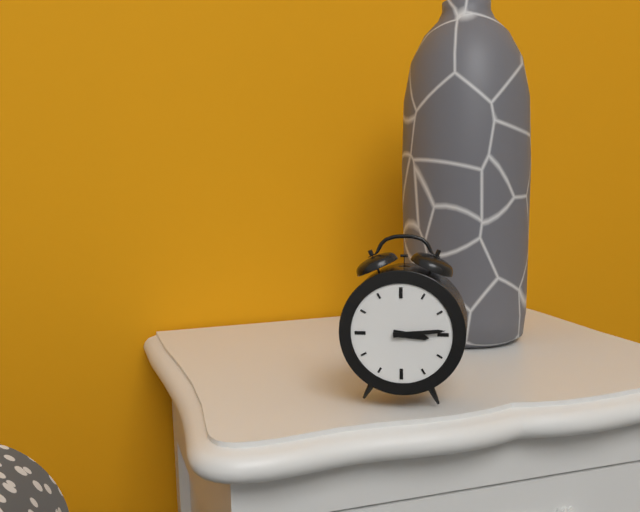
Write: 3h14
